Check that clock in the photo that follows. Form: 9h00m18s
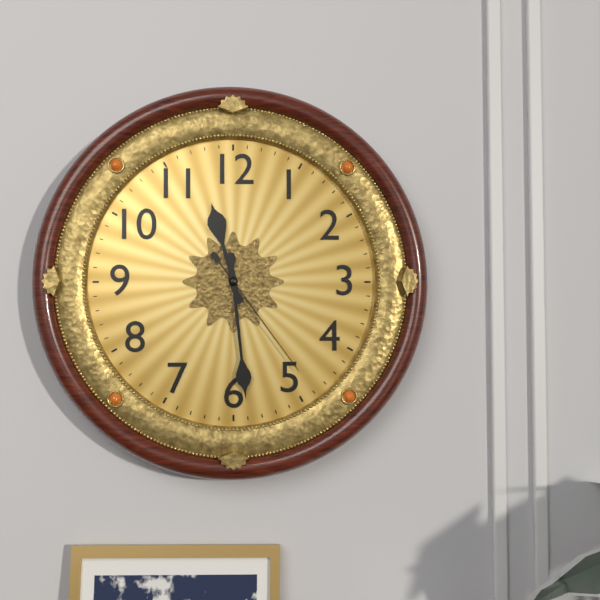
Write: 11h29m24s
